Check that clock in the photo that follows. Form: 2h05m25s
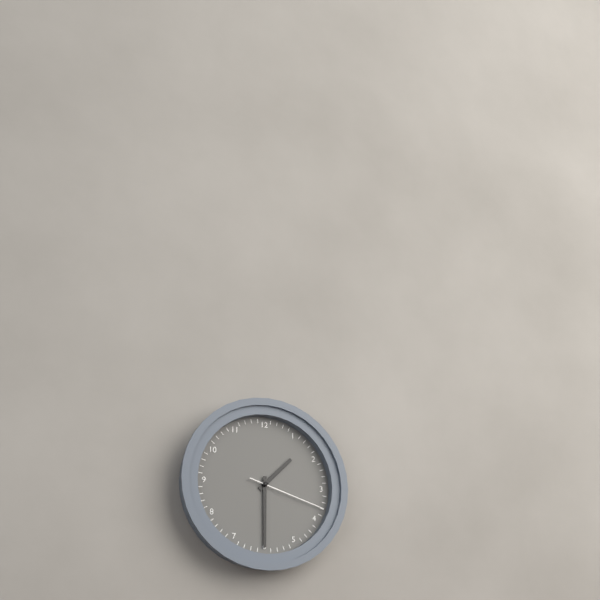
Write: 1h30m18s
